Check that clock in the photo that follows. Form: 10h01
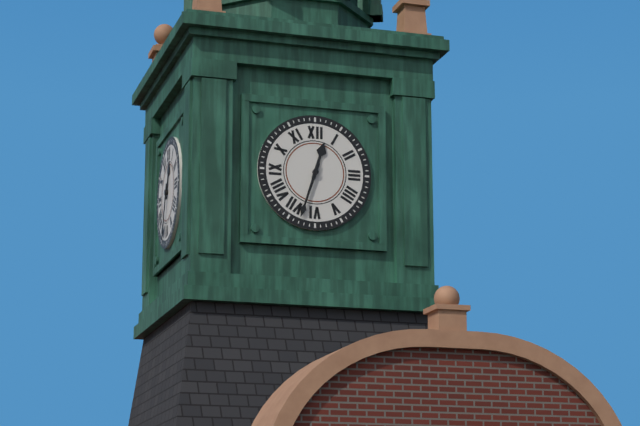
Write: 12h33
